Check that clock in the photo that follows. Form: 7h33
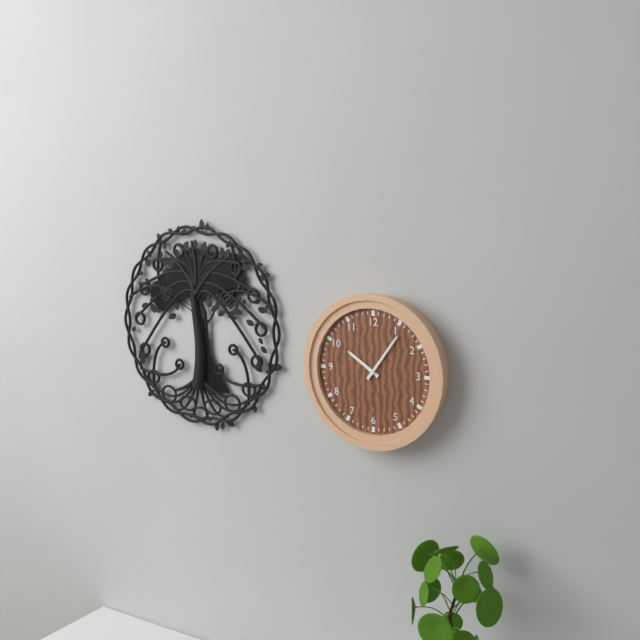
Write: 10h06
